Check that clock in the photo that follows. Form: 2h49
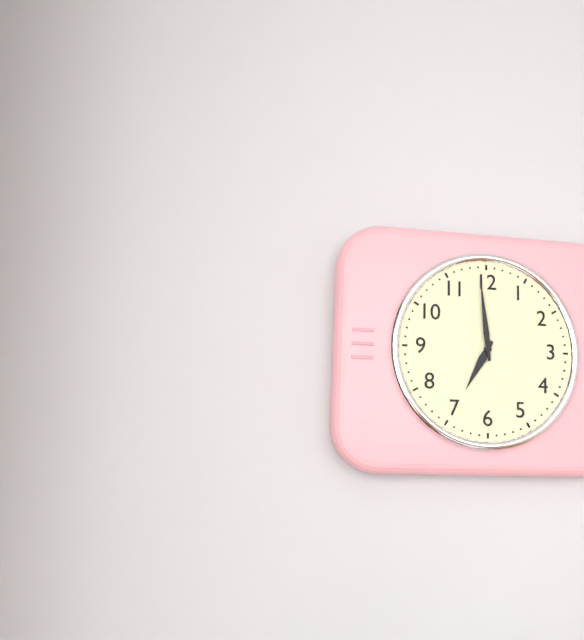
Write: 6h59
